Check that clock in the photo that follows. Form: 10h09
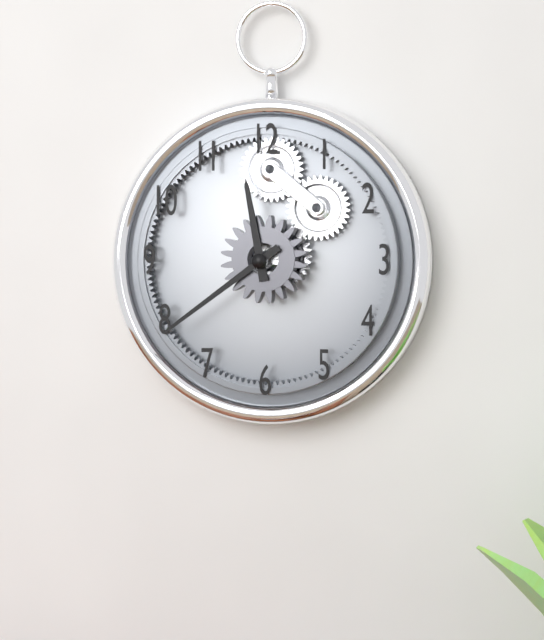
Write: 11h39
